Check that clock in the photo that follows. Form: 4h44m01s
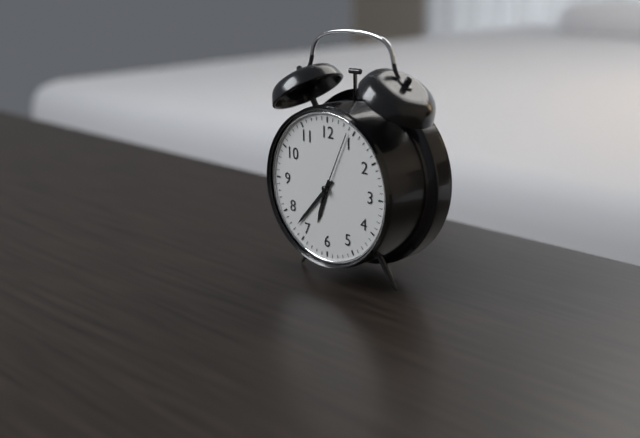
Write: 6h37m04s
